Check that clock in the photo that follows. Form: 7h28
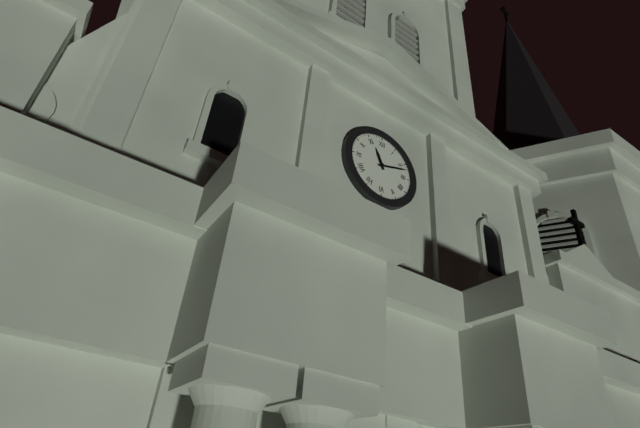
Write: 11h12
